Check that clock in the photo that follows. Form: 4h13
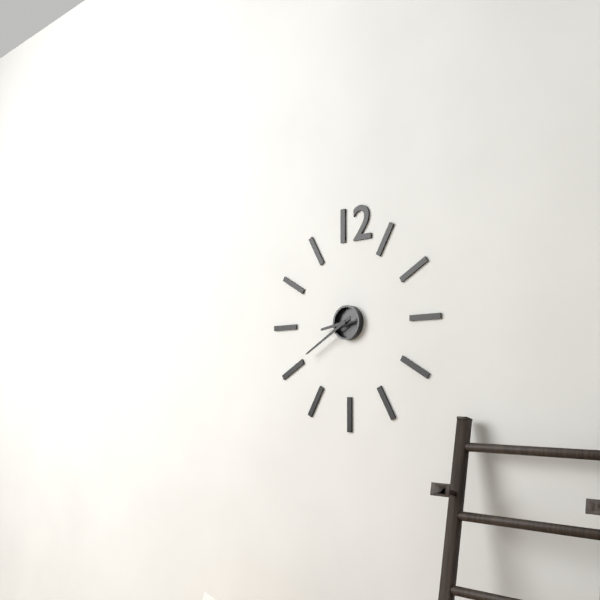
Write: 8h40
